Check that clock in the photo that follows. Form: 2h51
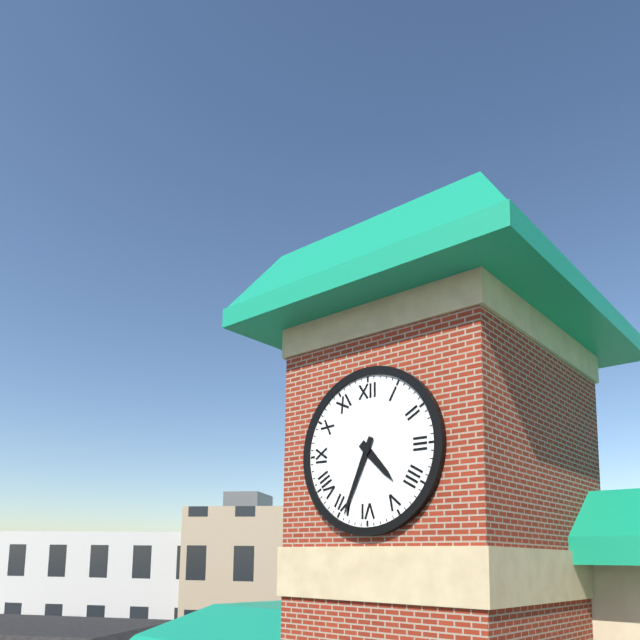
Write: 4h34
